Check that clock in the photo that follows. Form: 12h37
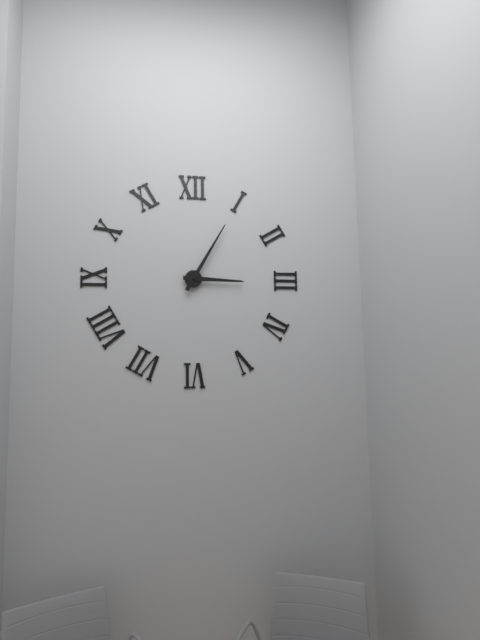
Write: 3h05
